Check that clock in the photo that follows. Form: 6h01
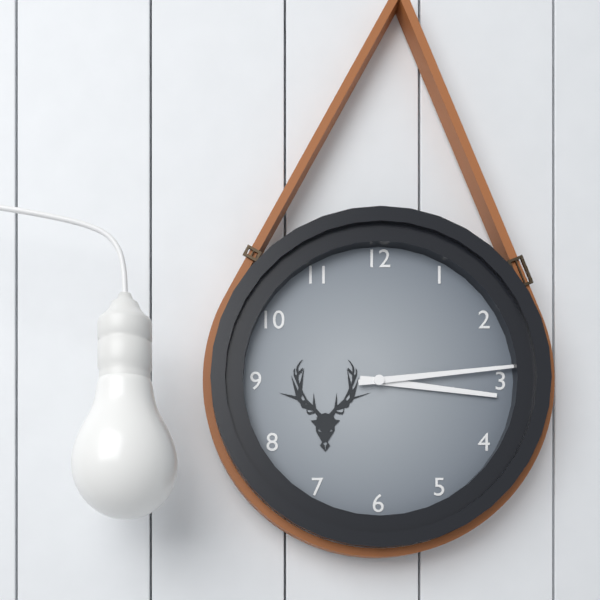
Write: 3h14
